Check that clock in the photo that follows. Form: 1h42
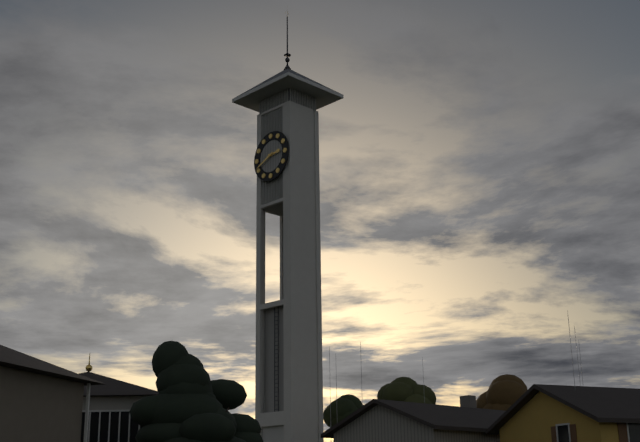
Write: 2h41
